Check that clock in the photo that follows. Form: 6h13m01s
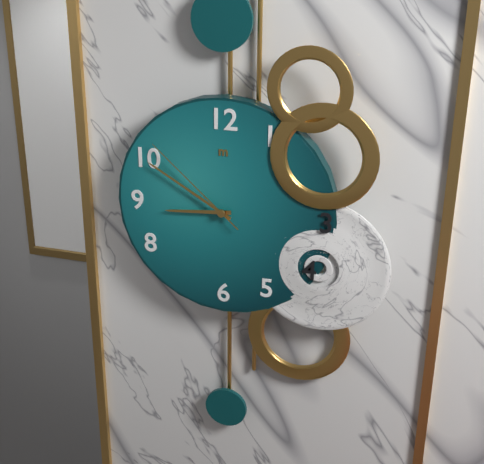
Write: 8h50m52s
